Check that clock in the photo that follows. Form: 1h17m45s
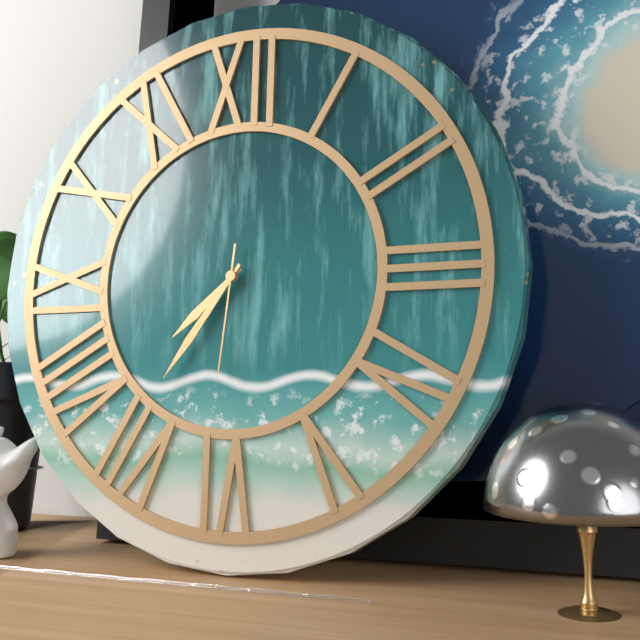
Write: 7h36m31s
